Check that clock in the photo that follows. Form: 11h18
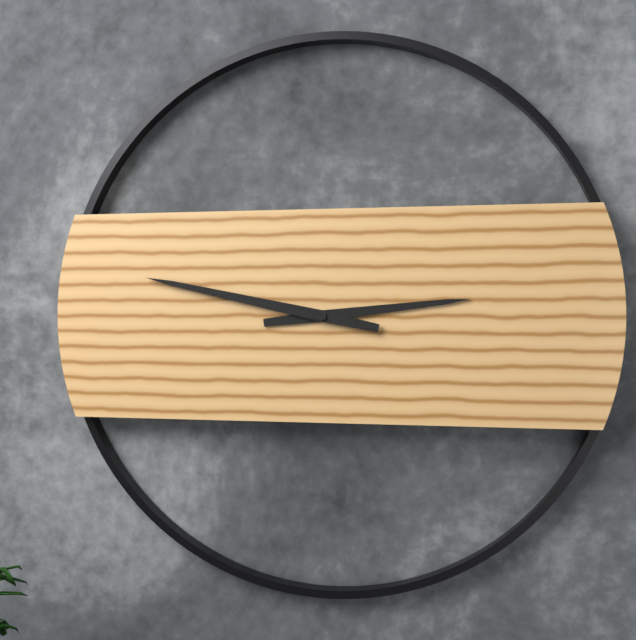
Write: 2h47
